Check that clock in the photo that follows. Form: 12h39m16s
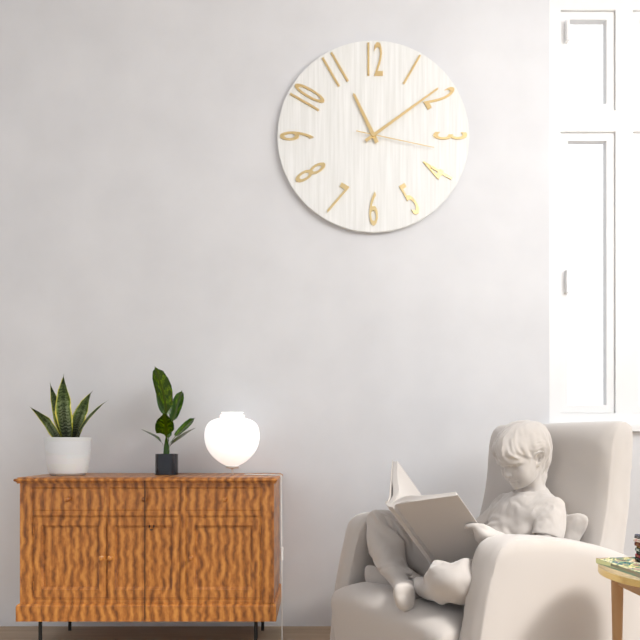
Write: 11h09m17s
